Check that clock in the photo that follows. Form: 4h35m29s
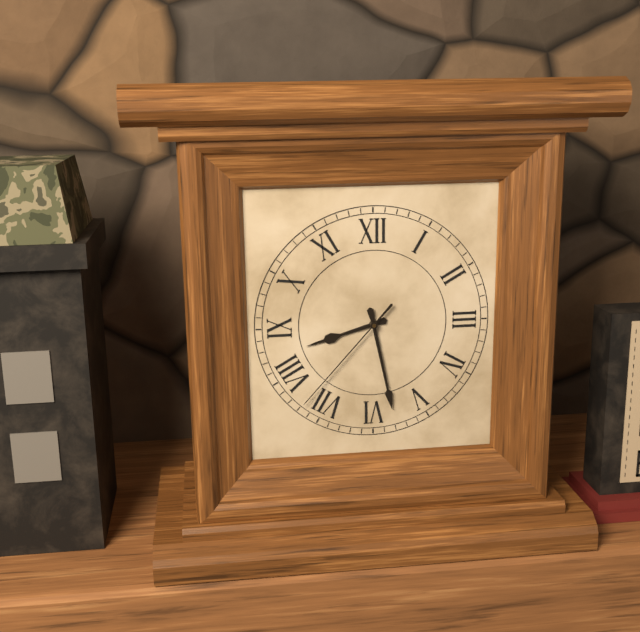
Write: 8h28m37s
